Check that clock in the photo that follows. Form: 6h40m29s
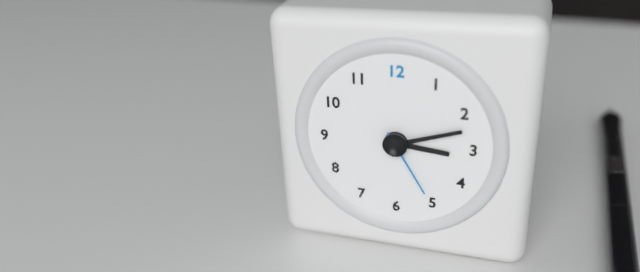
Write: 3h12m25s
